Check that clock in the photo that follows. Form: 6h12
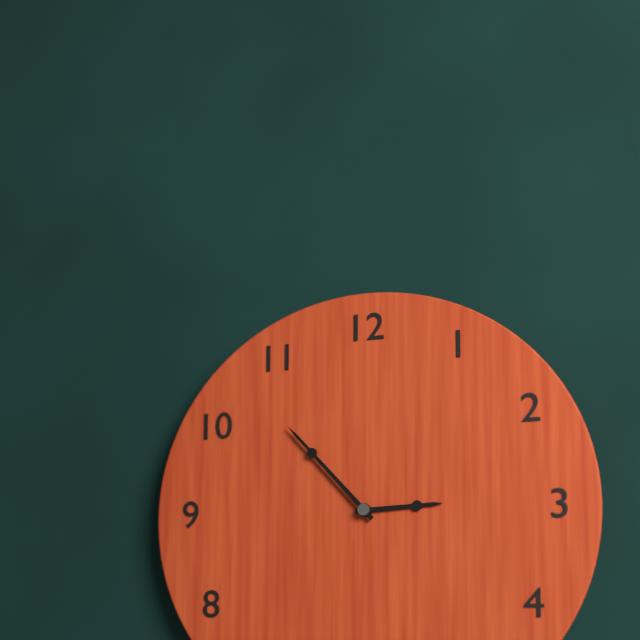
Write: 2h53
